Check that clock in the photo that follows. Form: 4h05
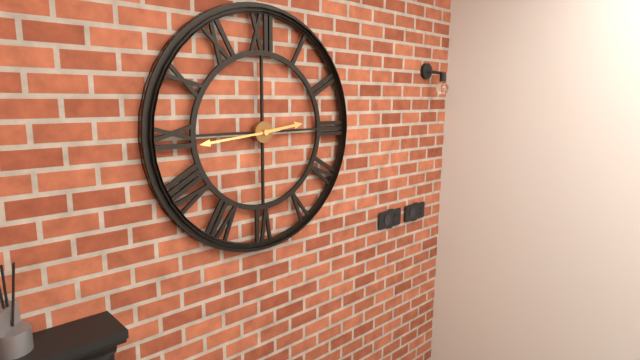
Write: 2h44
